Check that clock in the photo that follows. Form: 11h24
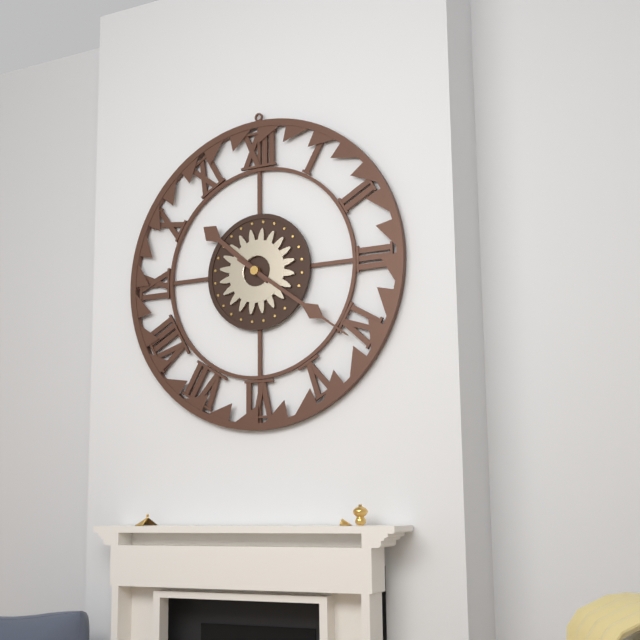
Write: 10h21
